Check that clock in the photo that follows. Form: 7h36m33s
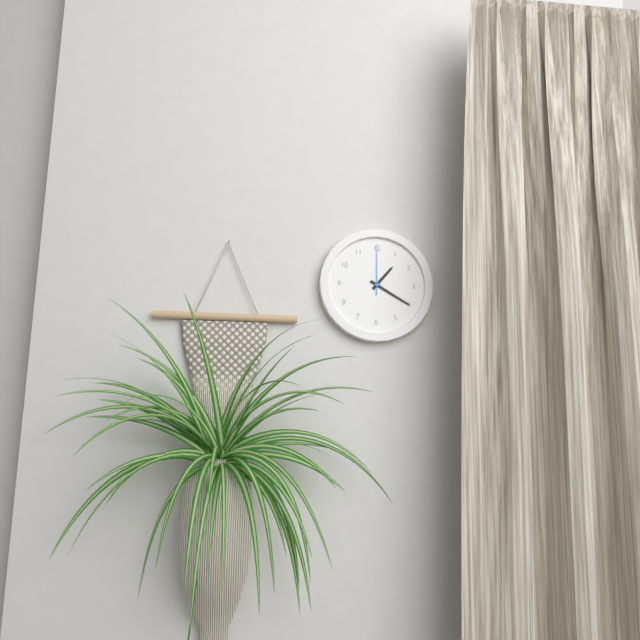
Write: 1h20m00s
